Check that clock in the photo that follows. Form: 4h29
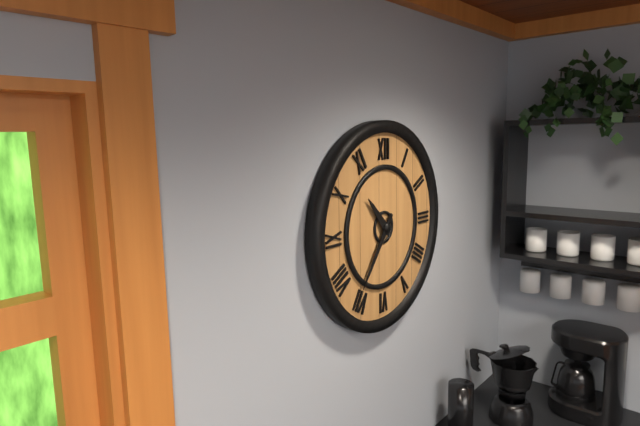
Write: 10h36
